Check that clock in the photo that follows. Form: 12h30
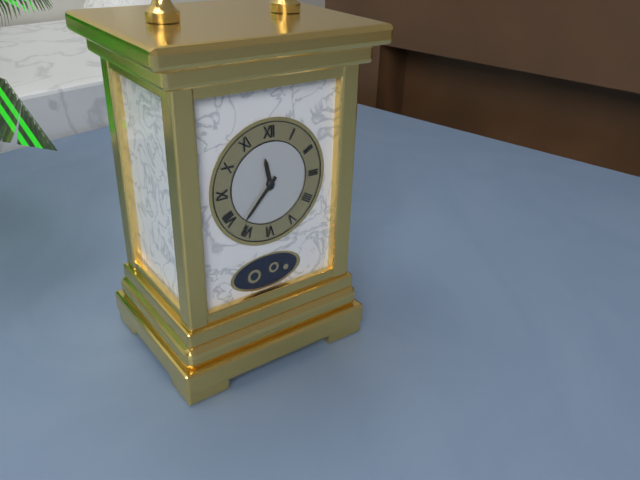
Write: 11h37
